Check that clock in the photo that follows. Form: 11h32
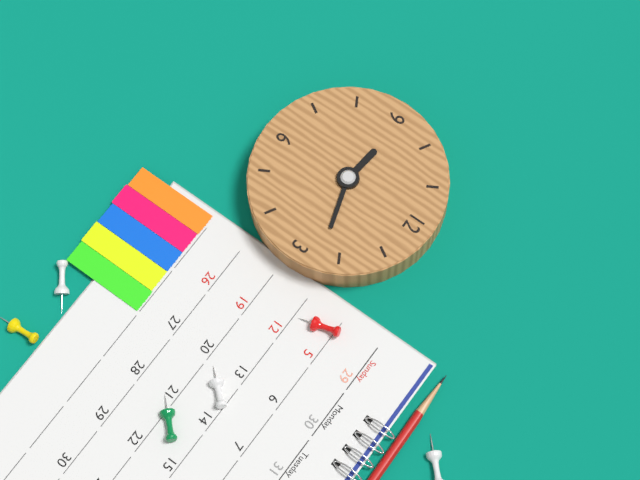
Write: 9h12
